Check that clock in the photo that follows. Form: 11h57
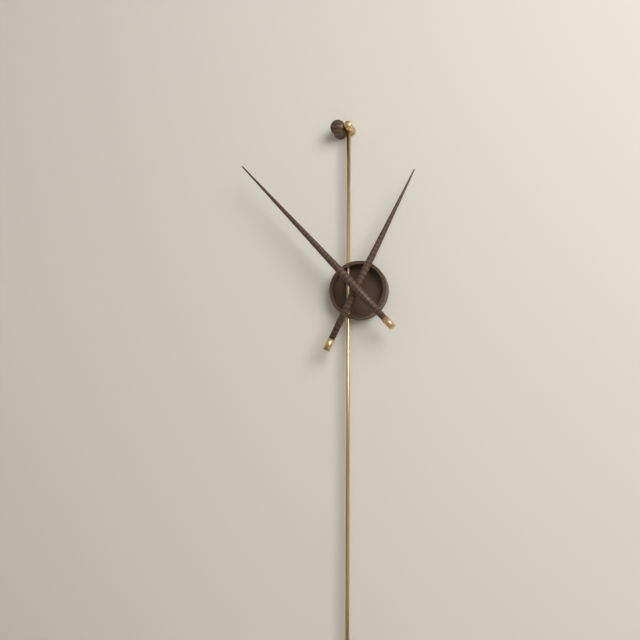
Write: 12h53
